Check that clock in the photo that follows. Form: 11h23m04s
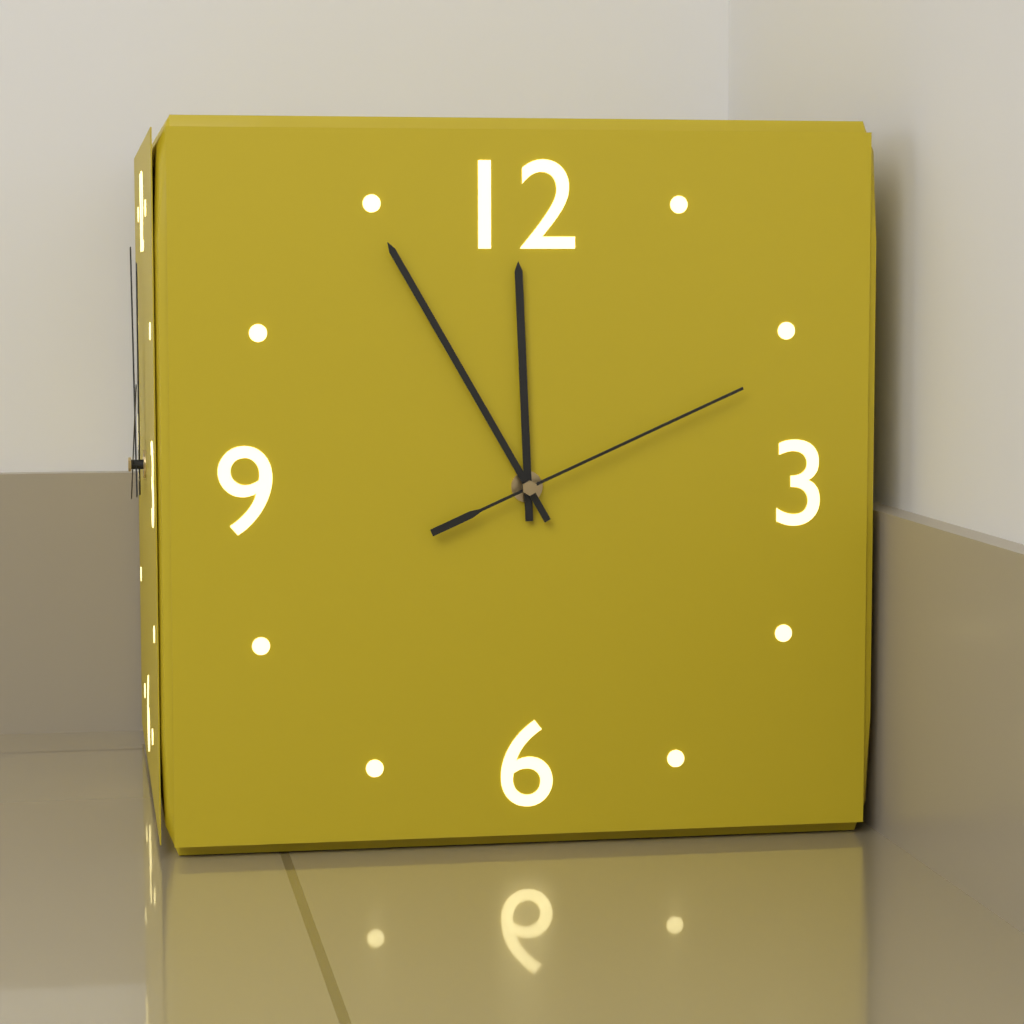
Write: 11h55m11s
